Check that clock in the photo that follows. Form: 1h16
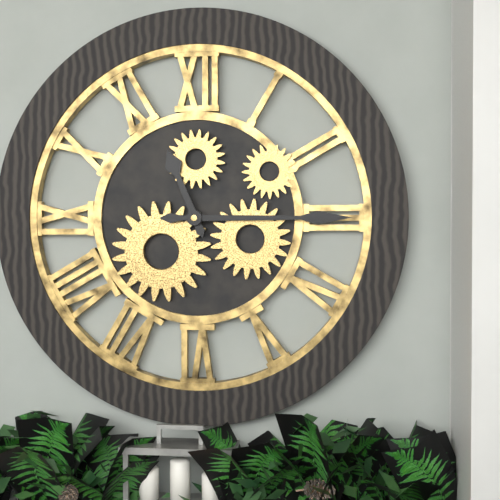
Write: 11h15
